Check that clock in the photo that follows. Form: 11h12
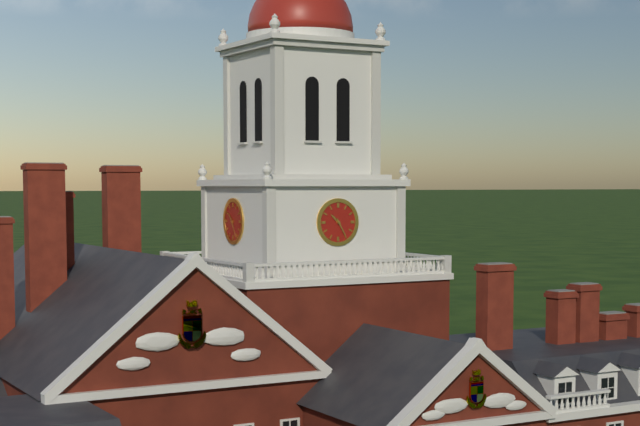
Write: 10h25
